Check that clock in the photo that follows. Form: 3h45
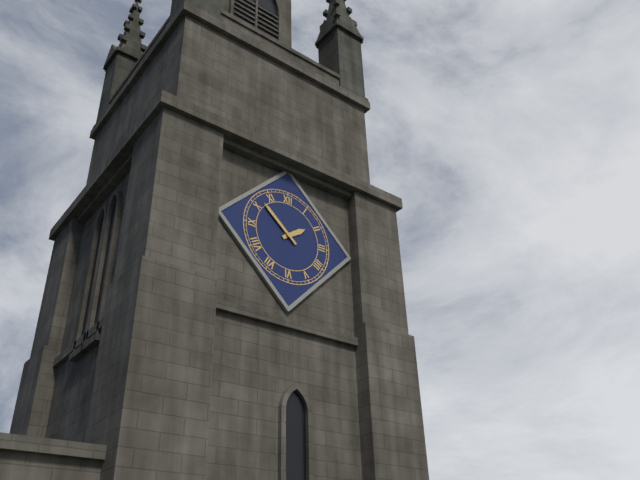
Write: 1h52
